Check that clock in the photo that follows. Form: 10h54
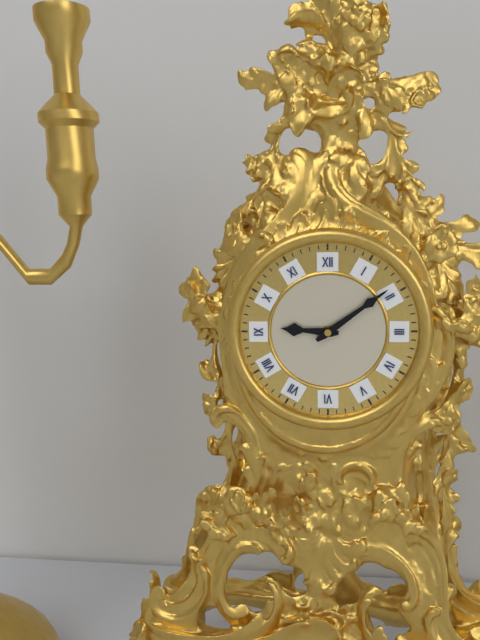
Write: 9h09
